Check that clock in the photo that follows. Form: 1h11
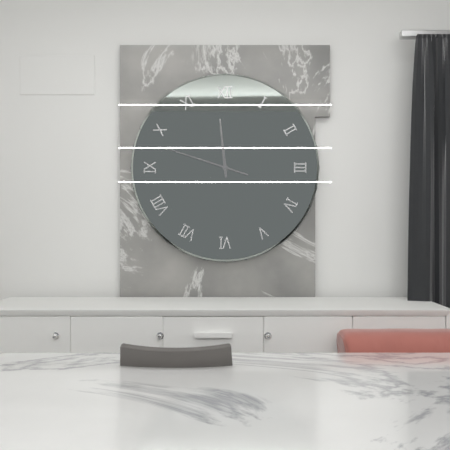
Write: 11h48
